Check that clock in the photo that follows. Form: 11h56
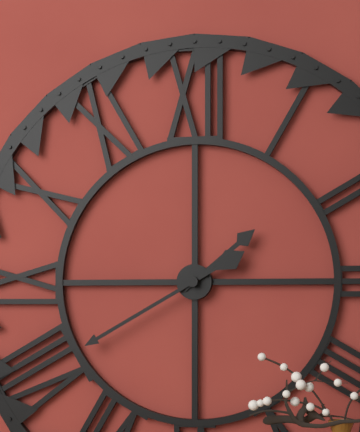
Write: 1h40
